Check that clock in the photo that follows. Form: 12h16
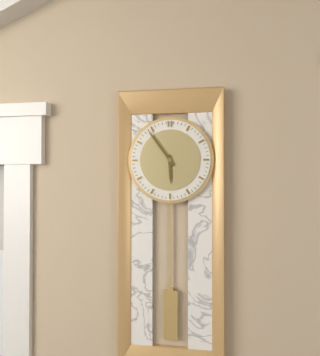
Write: 5h54
